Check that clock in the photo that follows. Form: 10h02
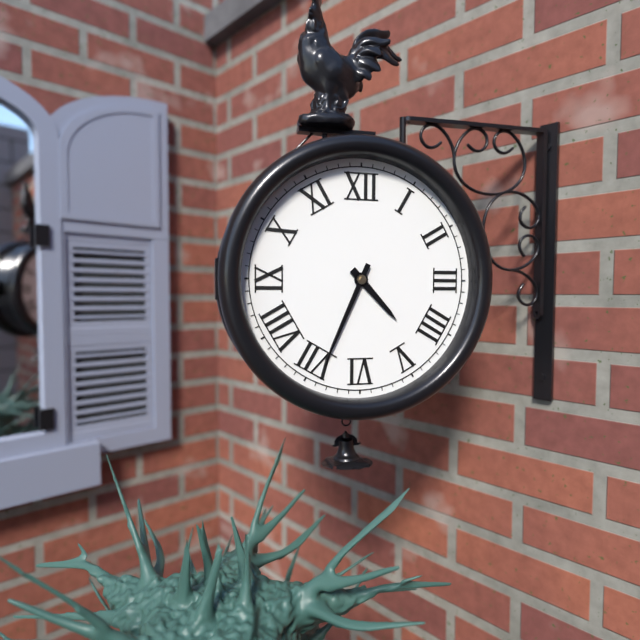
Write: 4h34
